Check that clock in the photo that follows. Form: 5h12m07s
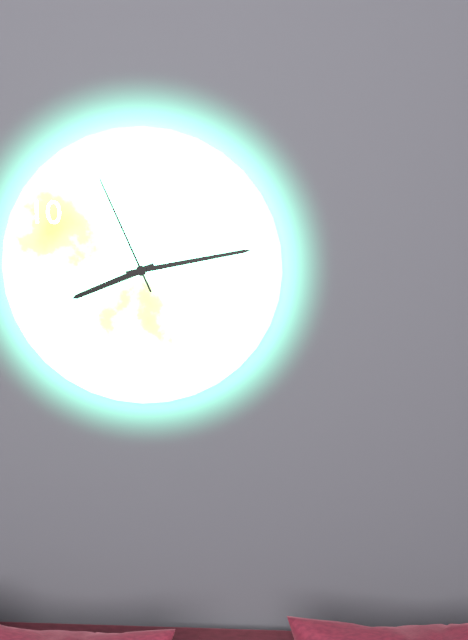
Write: 8h13m56s
